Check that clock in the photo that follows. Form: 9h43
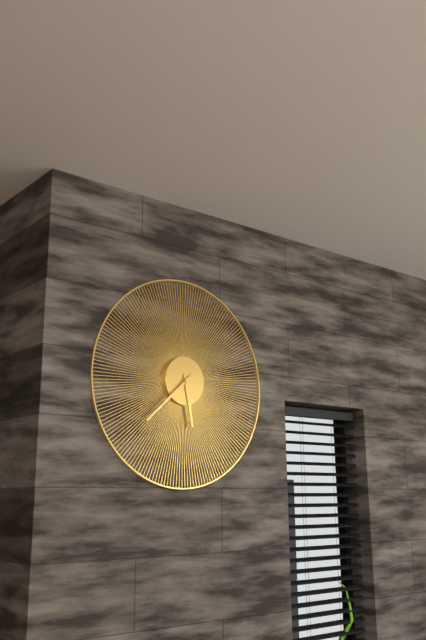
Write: 5h38
